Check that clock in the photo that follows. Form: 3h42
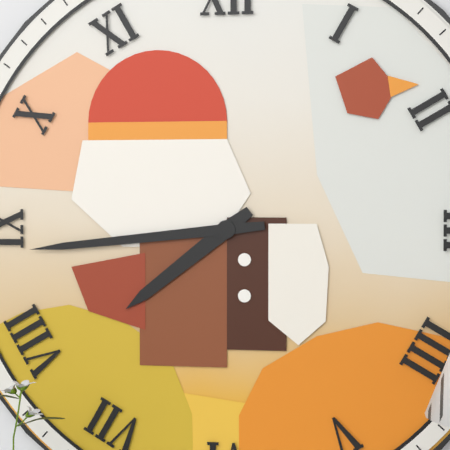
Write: 7h44
